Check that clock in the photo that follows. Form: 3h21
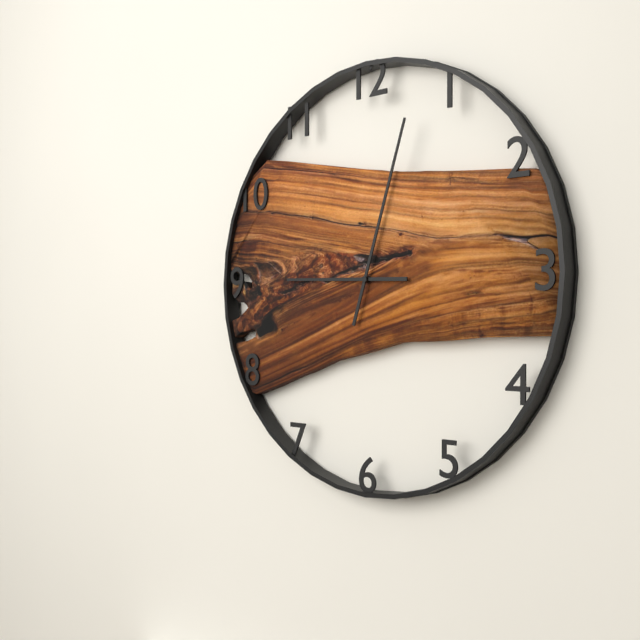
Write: 9h03
